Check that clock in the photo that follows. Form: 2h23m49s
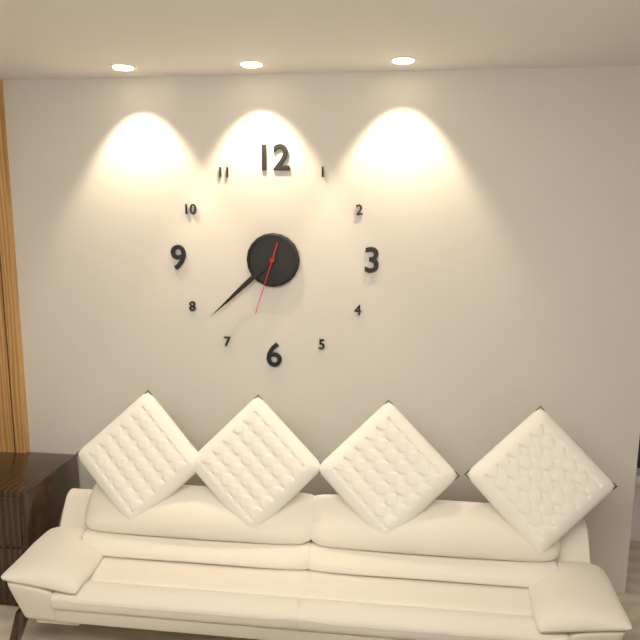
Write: 7h38m33s
